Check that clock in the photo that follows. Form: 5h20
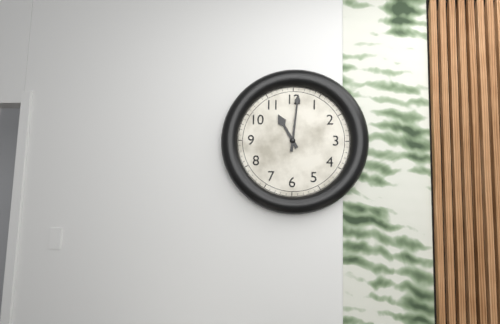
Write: 11h01
